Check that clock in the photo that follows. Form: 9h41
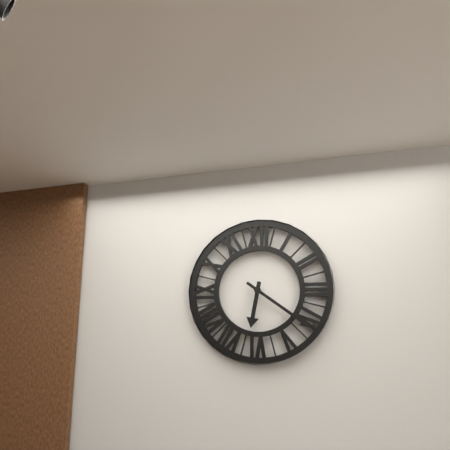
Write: 6h21
